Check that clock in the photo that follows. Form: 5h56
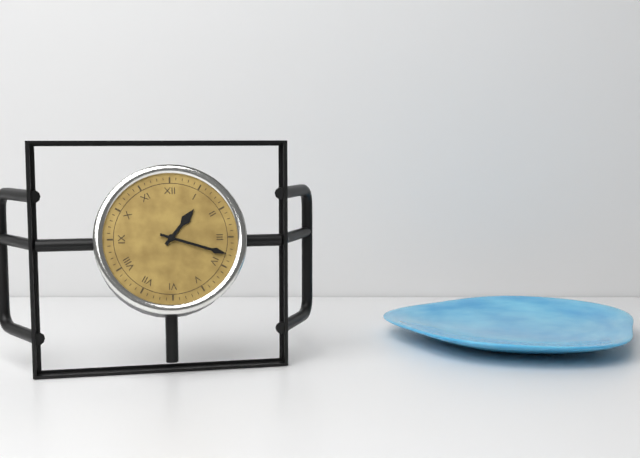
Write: 1h18
